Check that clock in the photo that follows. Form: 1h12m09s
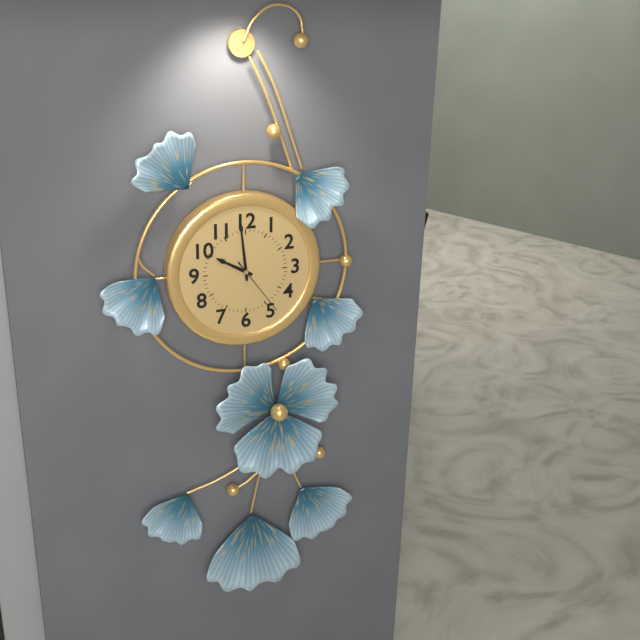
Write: 9h59m24s
